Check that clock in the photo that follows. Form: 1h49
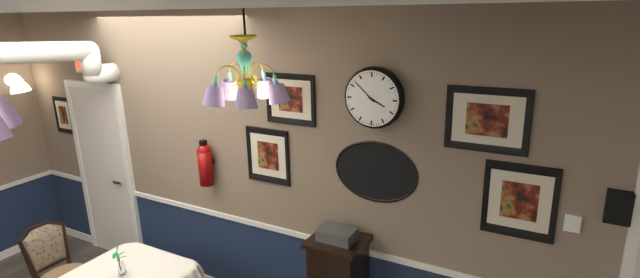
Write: 3h52
